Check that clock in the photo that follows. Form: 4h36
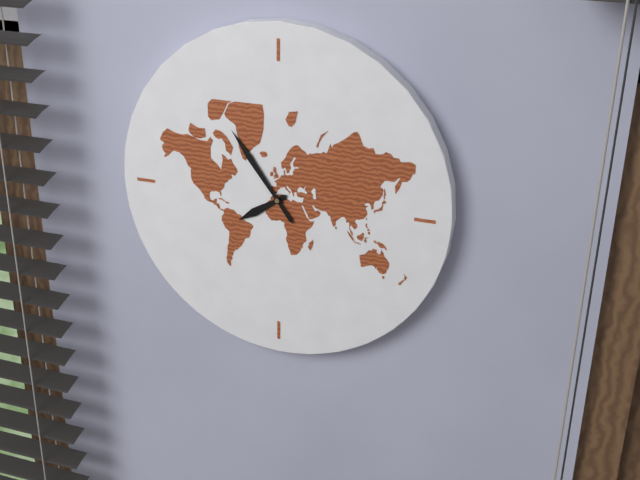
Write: 7h54
